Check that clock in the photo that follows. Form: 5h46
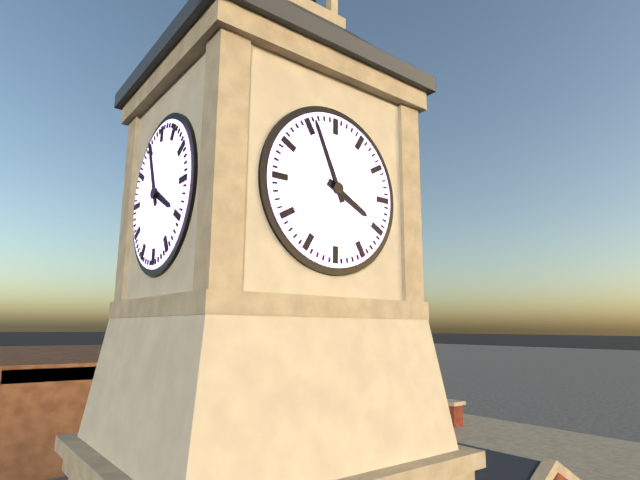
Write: 3h56
